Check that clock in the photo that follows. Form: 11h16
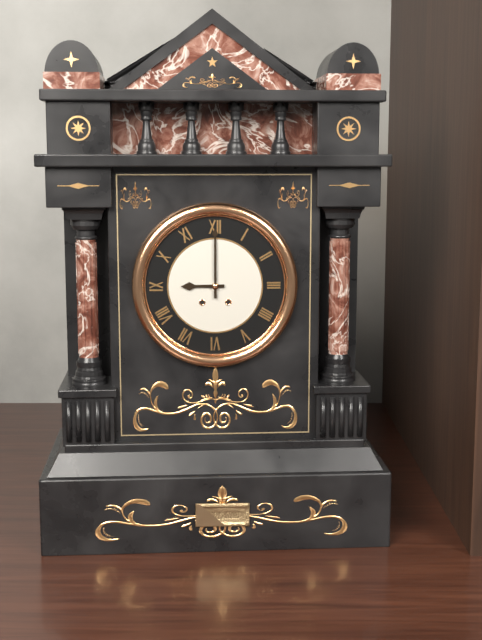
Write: 9h00
